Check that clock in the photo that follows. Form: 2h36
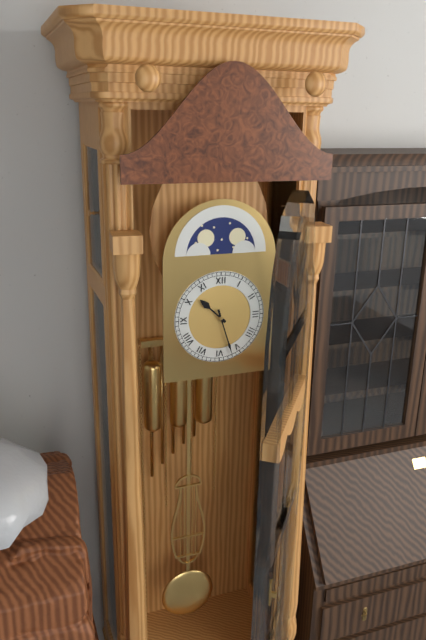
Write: 10h27
